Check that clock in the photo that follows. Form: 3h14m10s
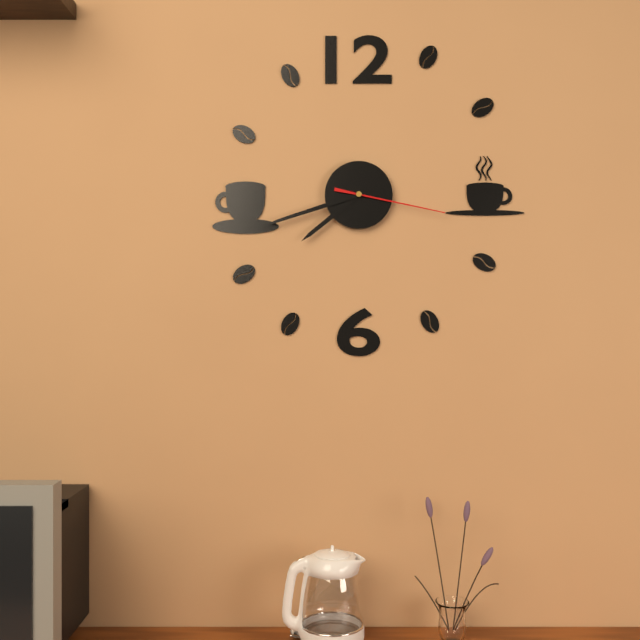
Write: 7h42m17s
